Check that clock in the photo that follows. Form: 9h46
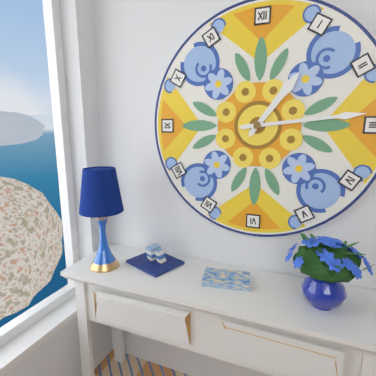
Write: 1h14
